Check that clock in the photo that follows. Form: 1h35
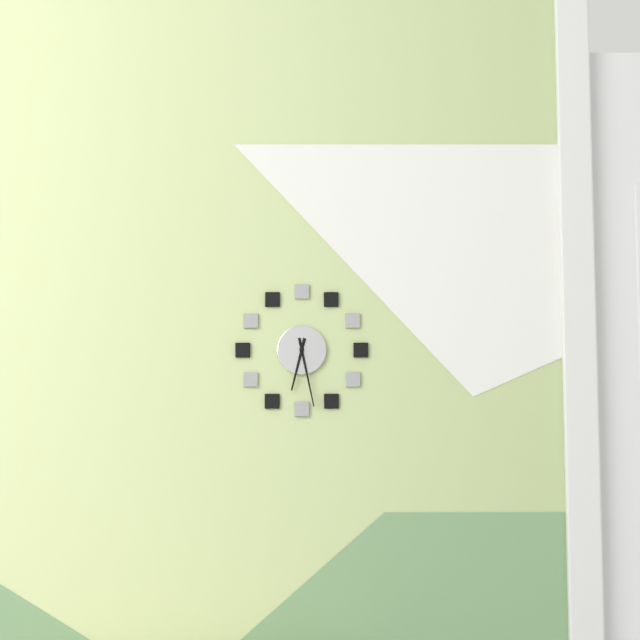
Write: 6h28
